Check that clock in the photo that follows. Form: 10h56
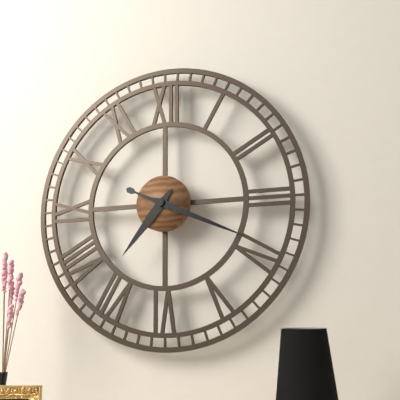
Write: 7h19
